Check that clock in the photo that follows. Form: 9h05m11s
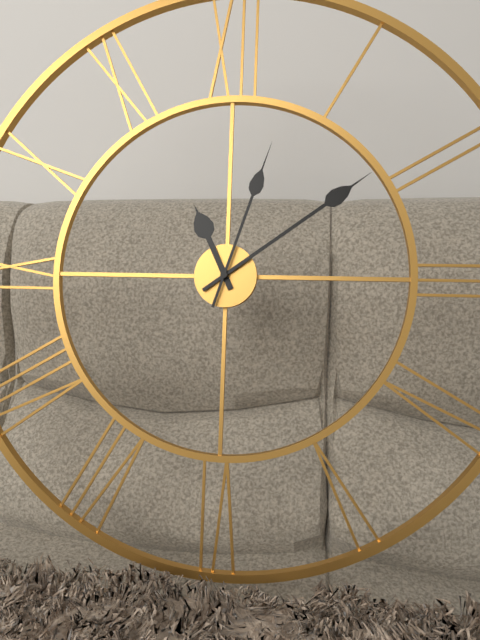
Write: 11h09m03s
